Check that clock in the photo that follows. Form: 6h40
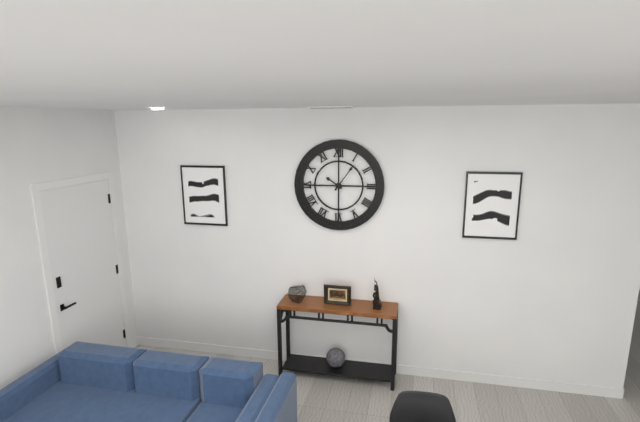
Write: 10h06
